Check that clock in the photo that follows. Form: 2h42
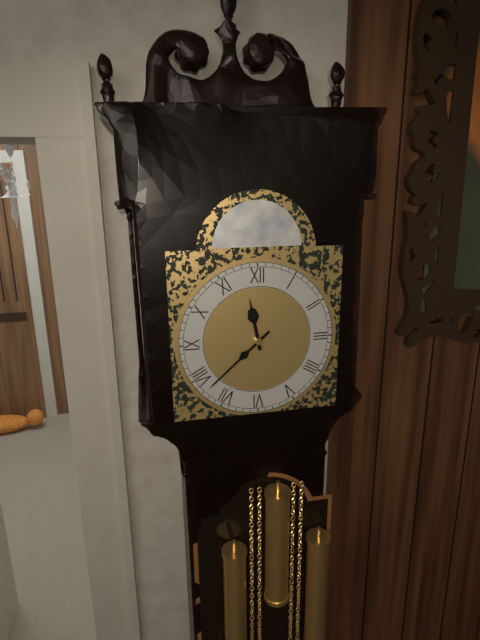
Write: 11h38
